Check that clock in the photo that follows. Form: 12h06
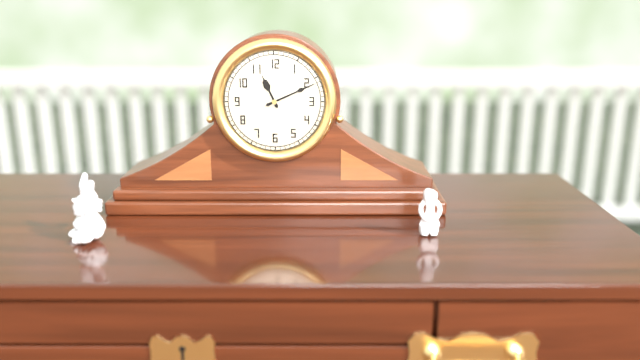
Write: 11h11
